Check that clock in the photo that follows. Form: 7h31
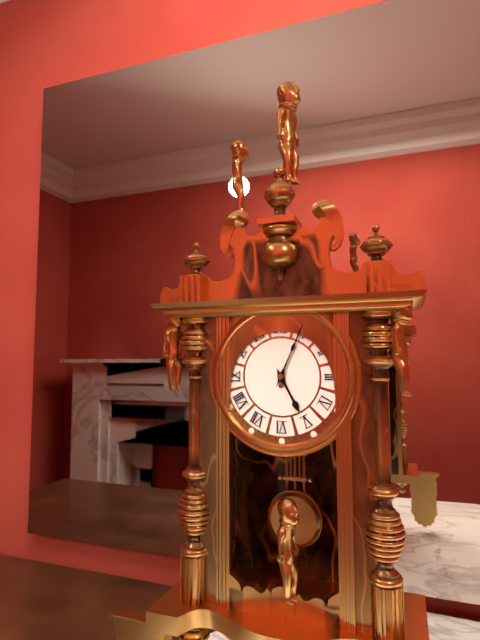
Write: 5h04
